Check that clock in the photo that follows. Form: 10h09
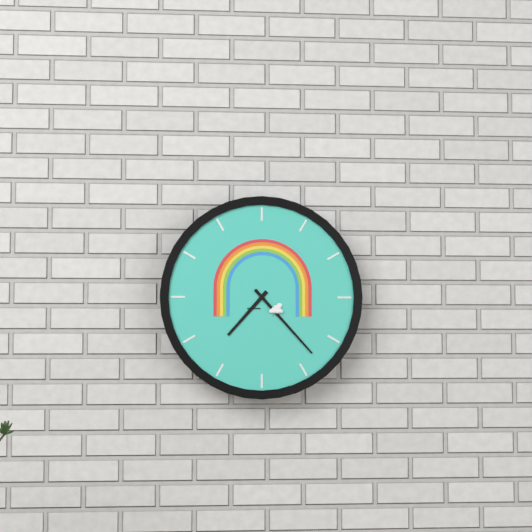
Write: 7h23
